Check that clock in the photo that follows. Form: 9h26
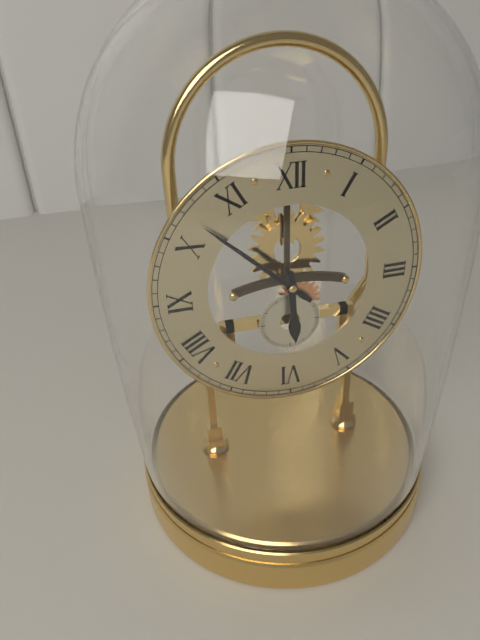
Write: 5h52
